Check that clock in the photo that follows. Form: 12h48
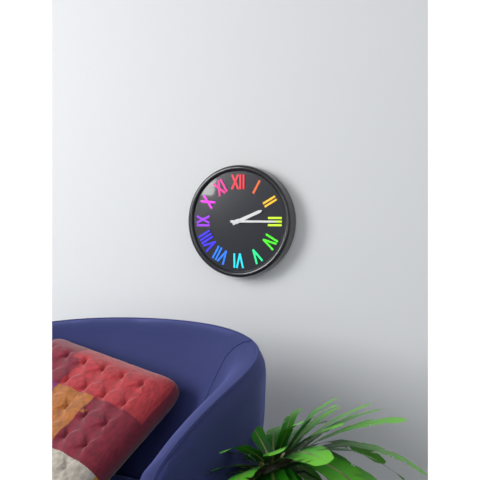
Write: 2h15
